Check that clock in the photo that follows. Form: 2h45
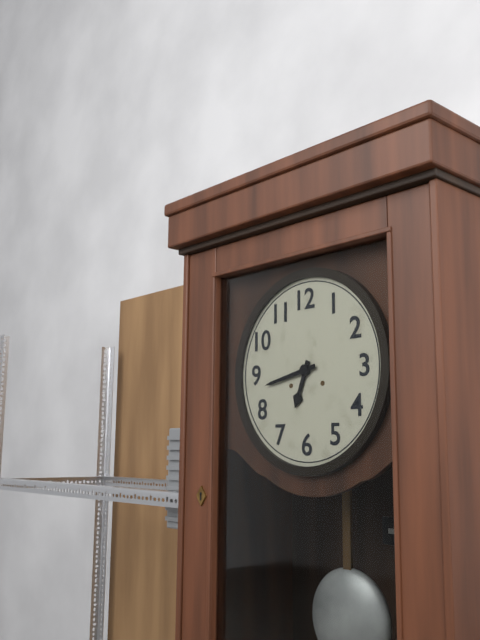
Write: 6h43
